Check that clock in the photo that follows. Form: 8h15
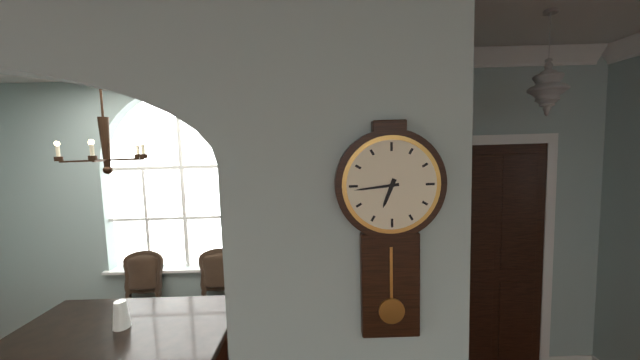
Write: 6h44
